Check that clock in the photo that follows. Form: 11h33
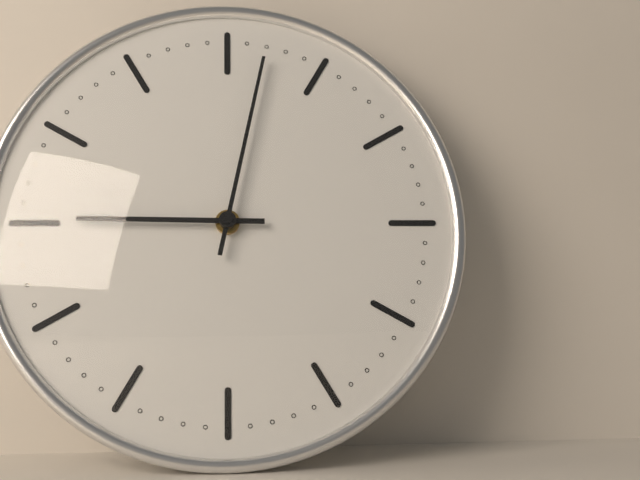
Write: 9h02
